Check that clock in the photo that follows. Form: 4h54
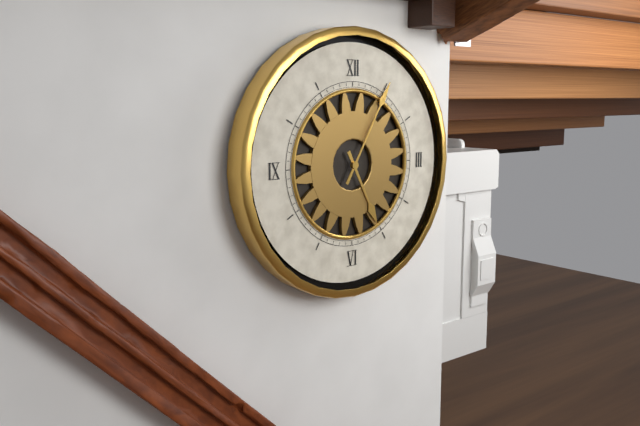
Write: 5h05
